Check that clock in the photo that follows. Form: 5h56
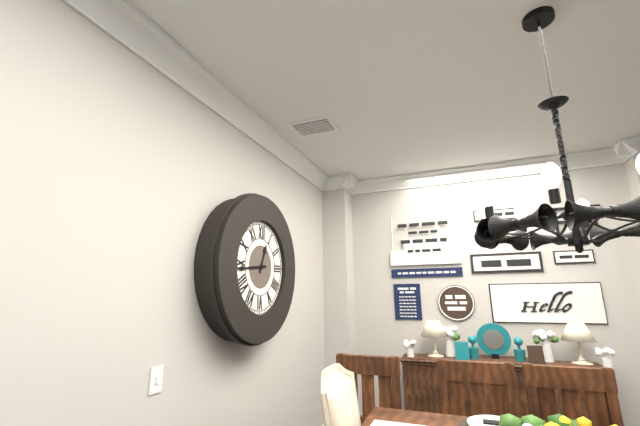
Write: 12h44
